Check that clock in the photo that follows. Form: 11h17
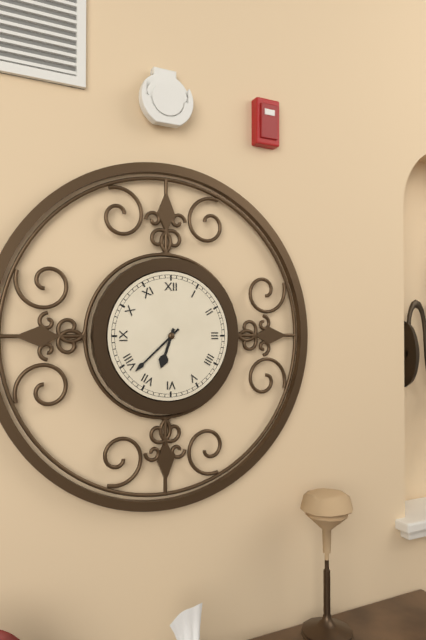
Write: 6h38
